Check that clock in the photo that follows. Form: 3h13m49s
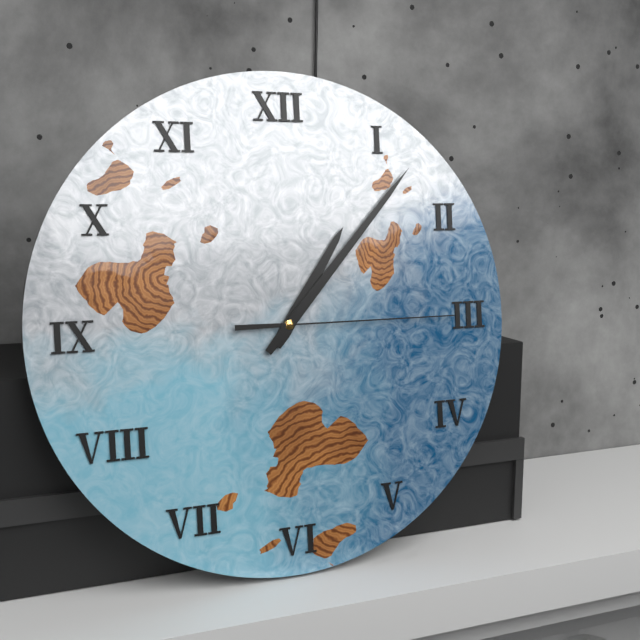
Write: 1h07m15s
